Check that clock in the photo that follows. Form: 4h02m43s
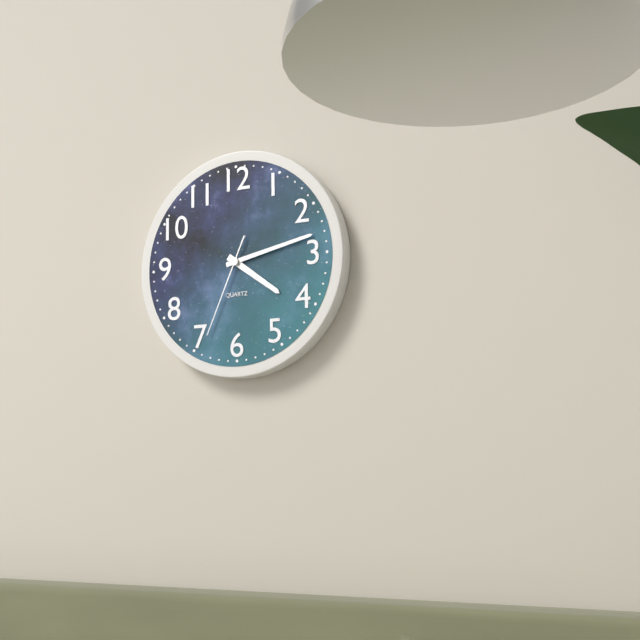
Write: 4h13m34s
